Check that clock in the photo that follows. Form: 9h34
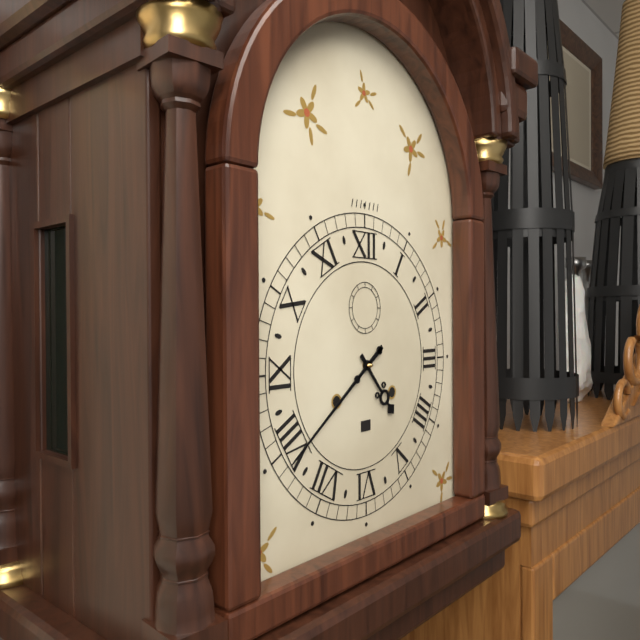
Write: 4h39
